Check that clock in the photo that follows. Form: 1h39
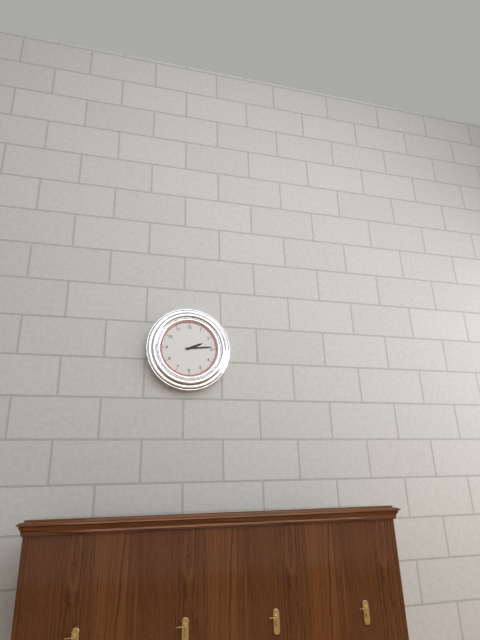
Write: 2h14
